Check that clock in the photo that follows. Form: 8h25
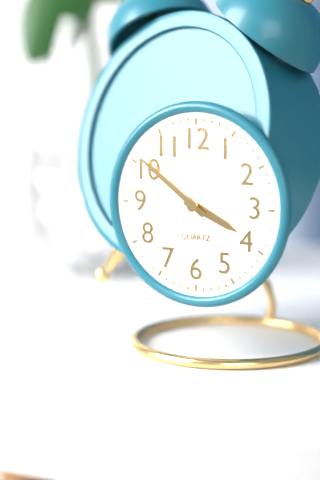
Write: 3h51
